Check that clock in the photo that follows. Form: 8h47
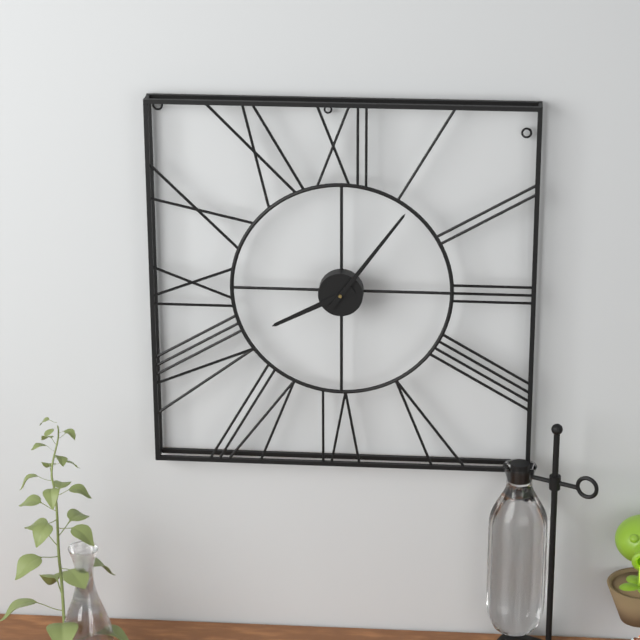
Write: 8h06
